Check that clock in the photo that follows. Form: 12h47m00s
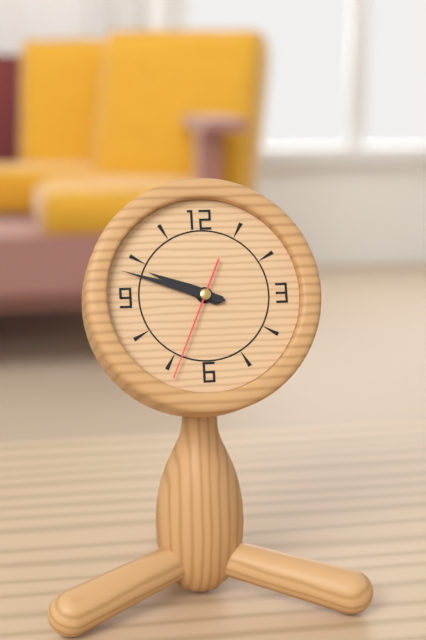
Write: 9h48m34s
